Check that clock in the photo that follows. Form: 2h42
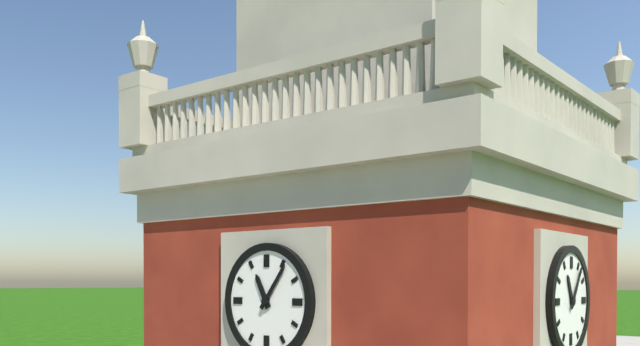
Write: 11h06
